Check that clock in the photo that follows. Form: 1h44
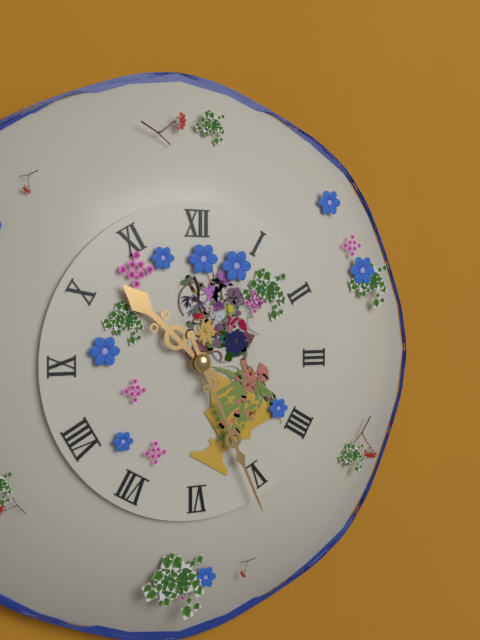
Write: 10h26
